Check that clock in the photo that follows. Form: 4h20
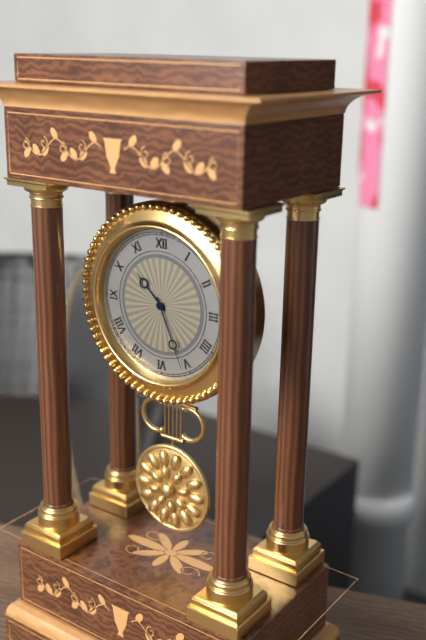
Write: 10h26
